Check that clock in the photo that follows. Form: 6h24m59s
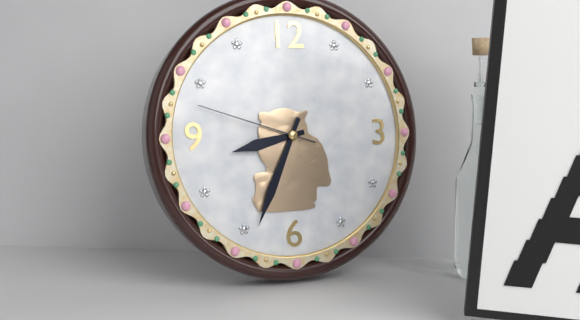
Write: 8h34m48s
